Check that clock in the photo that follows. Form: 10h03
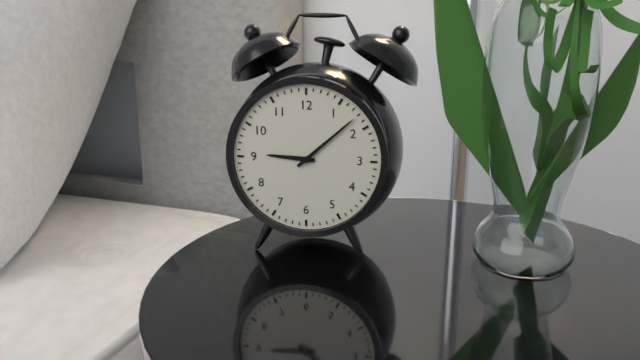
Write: 9h08
